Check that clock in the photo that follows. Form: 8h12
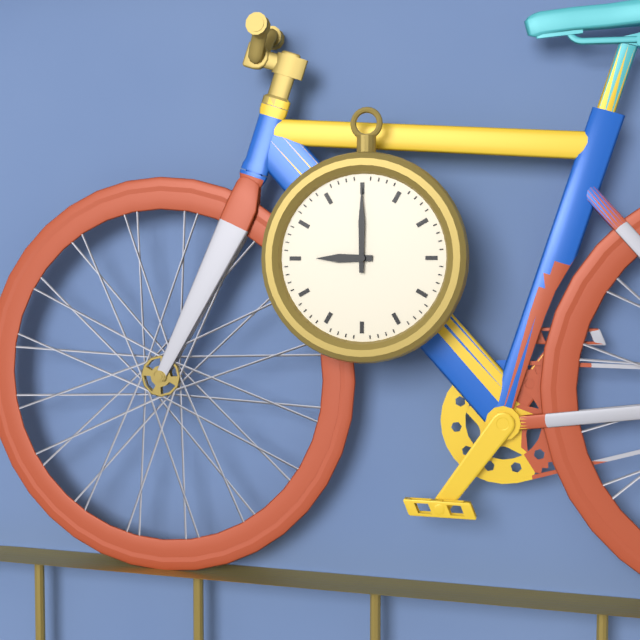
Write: 9h00
